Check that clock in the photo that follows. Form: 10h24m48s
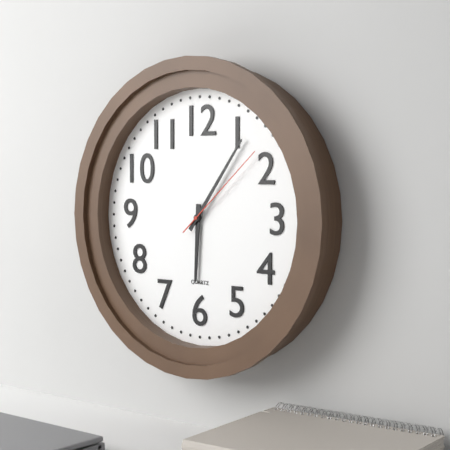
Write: 6h06m08s
